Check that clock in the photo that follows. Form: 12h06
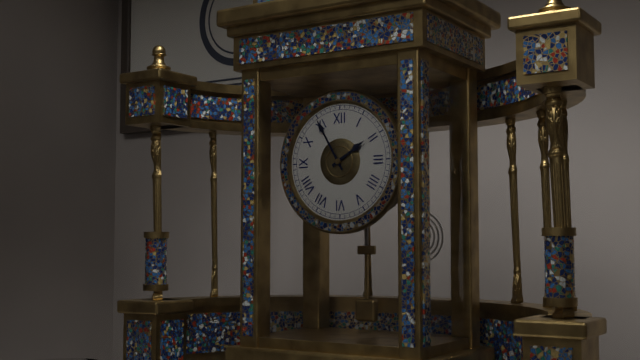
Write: 1h55
